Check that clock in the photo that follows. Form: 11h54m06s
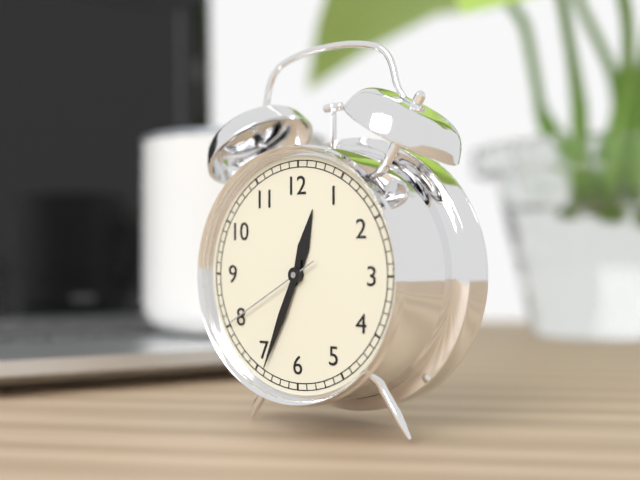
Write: 12h34m40s
